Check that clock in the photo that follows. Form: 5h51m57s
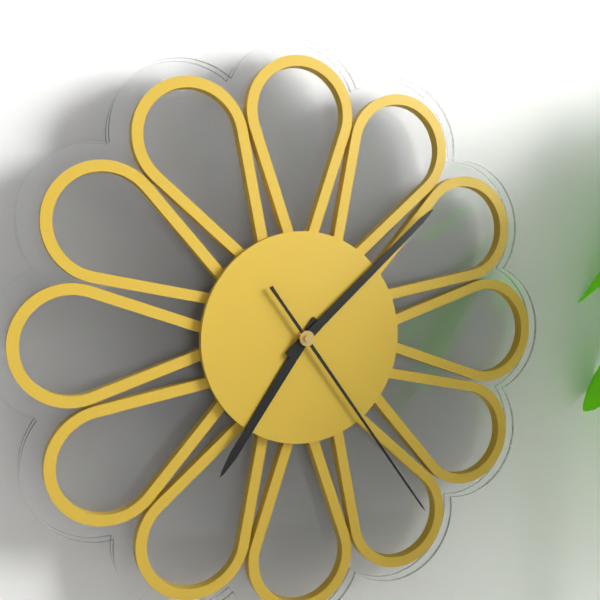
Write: 7h08m24s
